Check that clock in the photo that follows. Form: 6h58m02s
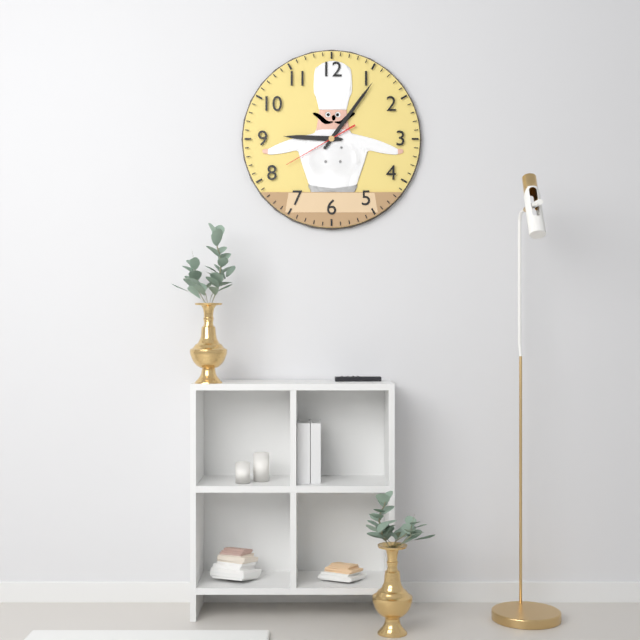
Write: 9h06m40s
